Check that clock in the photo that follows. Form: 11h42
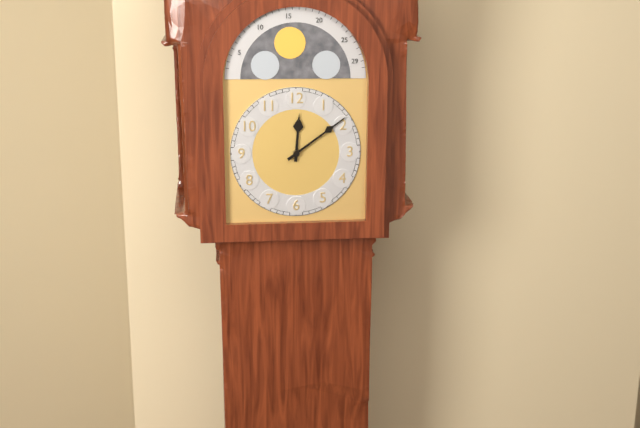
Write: 12h09
